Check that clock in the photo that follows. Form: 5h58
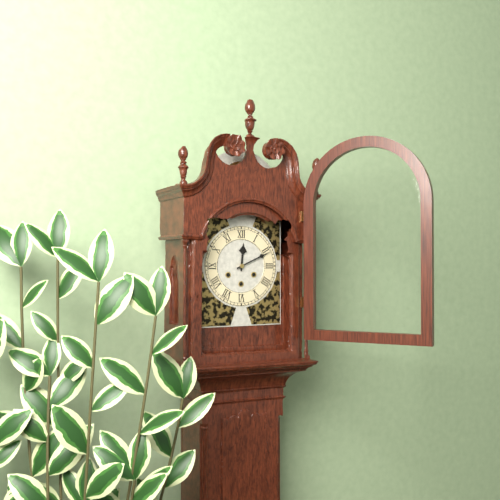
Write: 12h11
